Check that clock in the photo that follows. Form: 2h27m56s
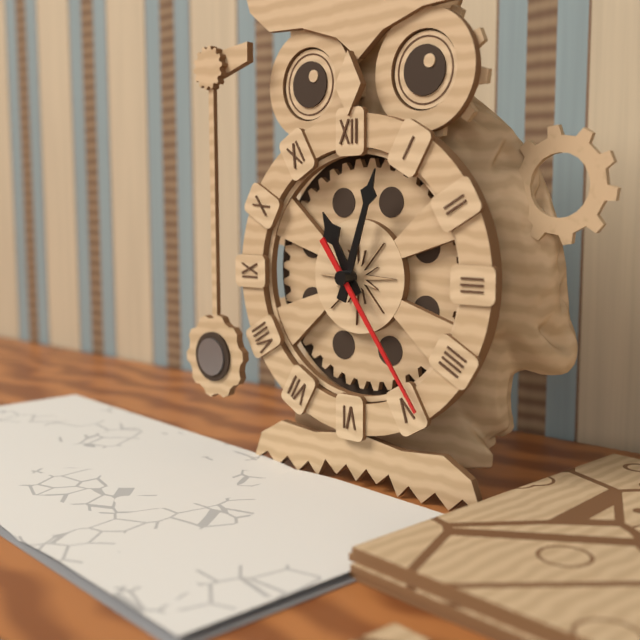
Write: 11h03m24s
